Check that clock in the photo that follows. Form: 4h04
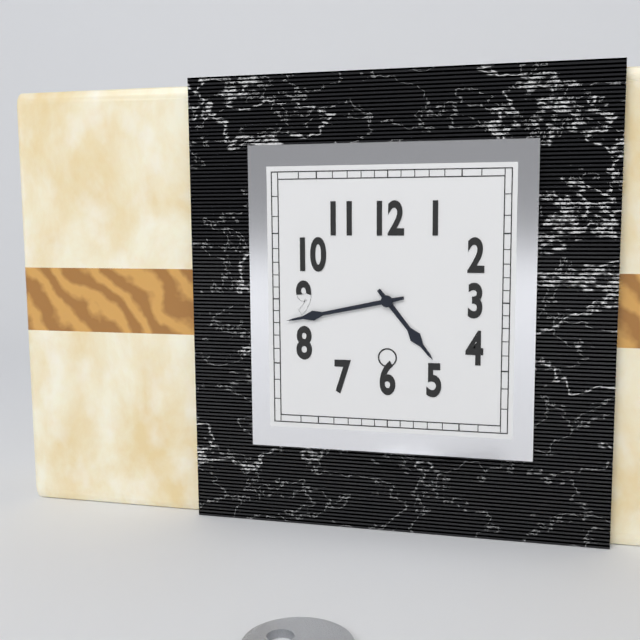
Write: 4h43
